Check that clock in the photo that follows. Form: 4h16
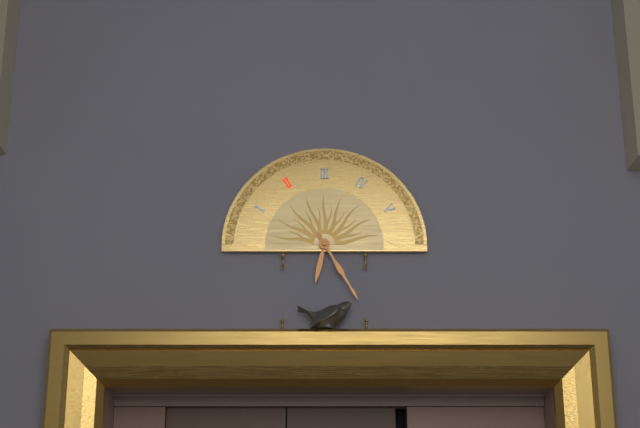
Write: 6h25
